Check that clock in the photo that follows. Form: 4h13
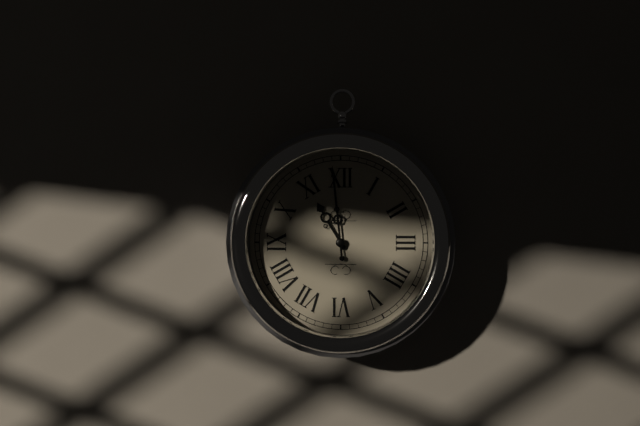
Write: 10h59
